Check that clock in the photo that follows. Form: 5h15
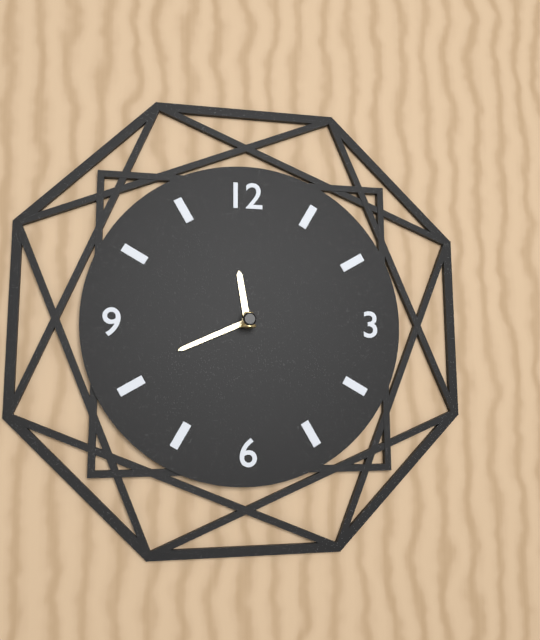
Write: 11h41
